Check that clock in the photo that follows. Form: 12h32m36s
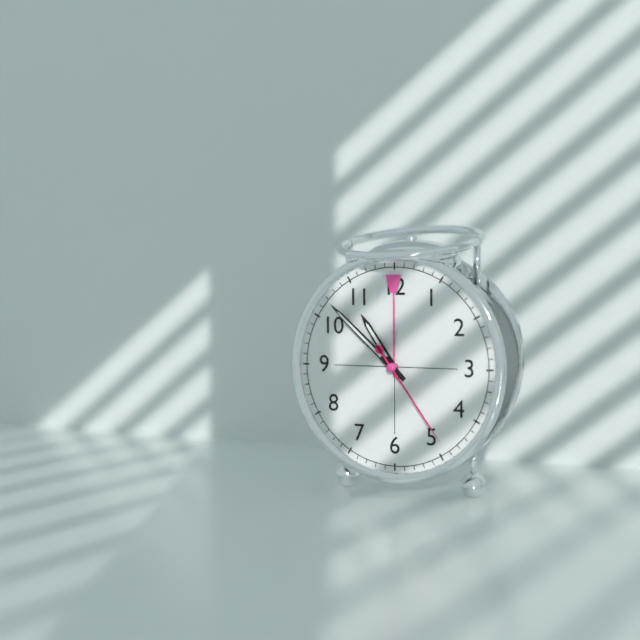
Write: 10h52m24s
